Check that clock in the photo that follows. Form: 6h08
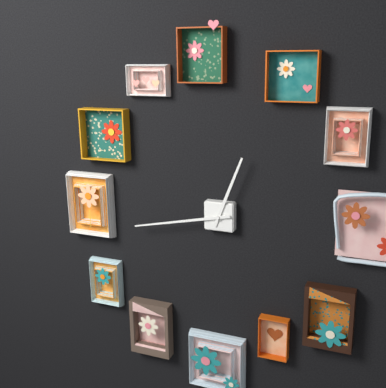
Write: 12h43
